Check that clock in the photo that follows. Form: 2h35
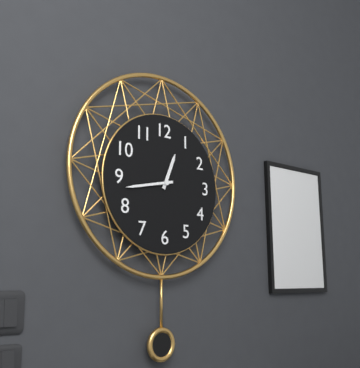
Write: 12h43
